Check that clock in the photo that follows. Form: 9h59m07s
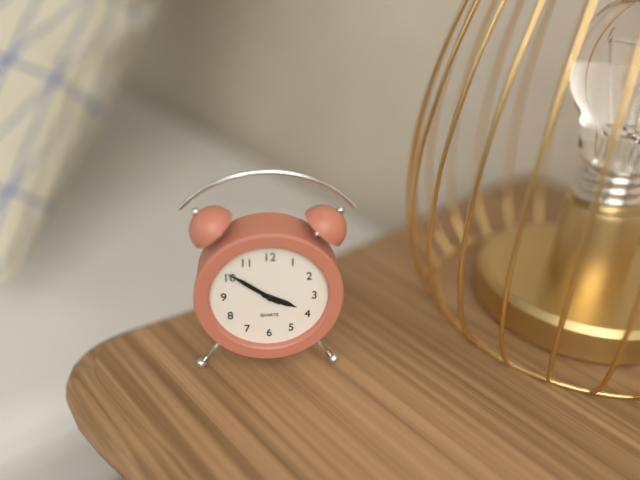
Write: 3h51m51s
